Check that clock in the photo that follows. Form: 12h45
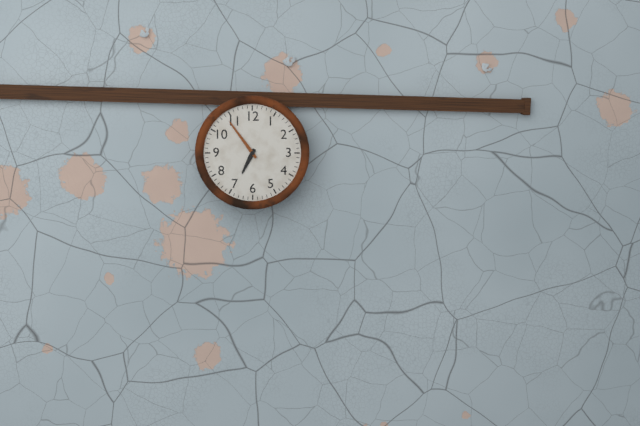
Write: 6h54
